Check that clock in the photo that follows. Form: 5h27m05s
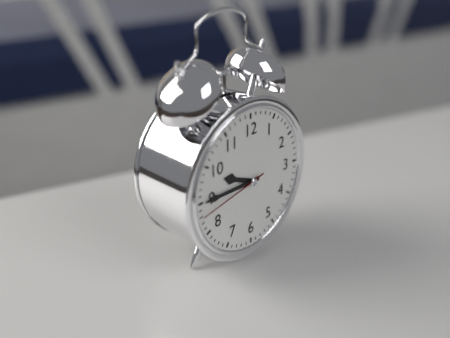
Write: 9h45m43s
